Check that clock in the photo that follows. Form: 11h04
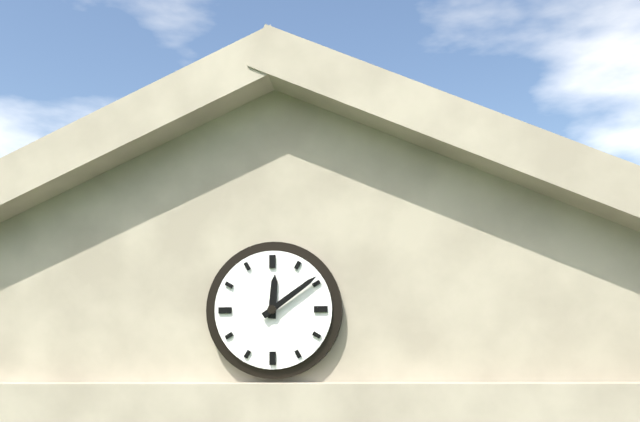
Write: 12h09
